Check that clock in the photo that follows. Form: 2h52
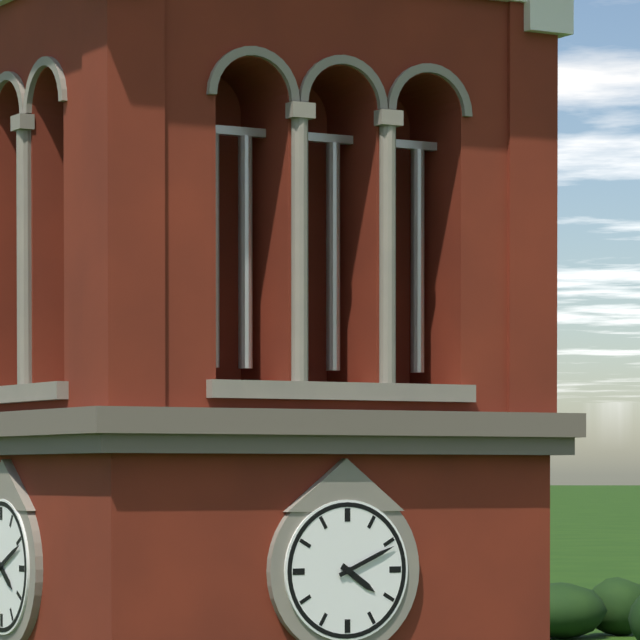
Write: 4h11
